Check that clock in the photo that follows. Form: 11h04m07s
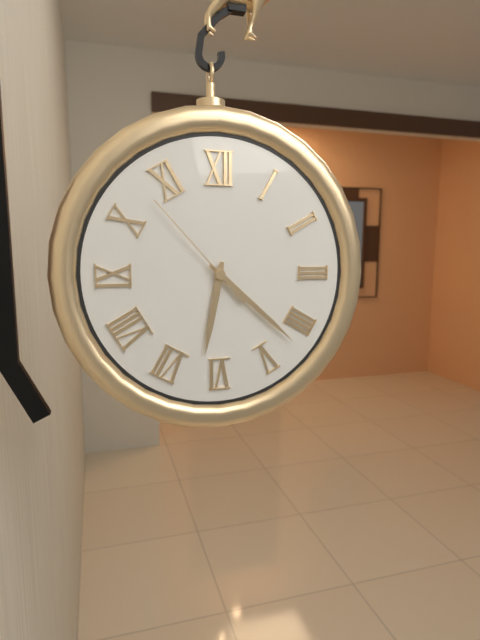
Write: 6h22m53s
